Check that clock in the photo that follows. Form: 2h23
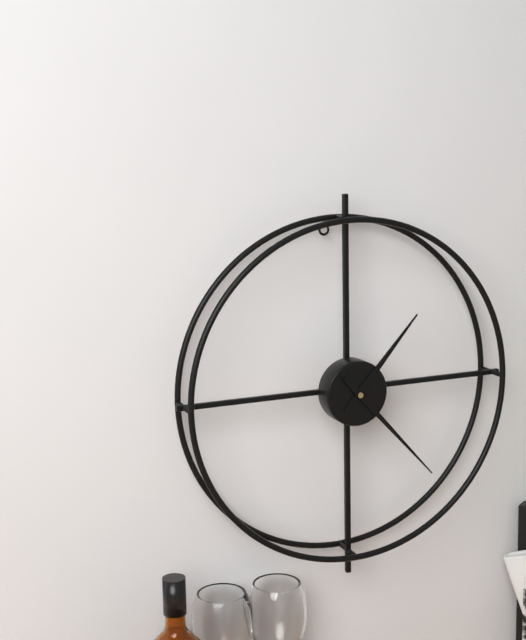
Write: 1h23
